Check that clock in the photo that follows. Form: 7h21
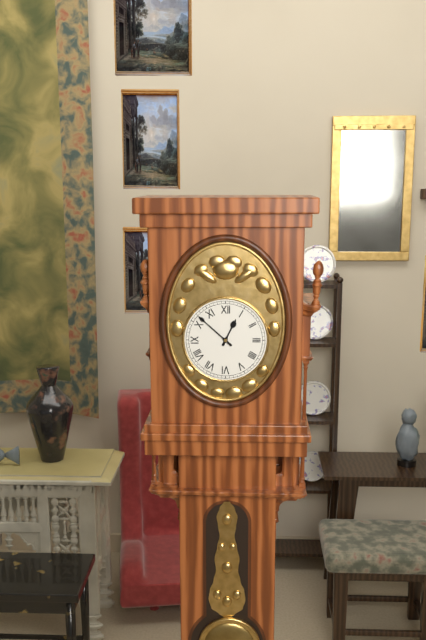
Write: 12h52
